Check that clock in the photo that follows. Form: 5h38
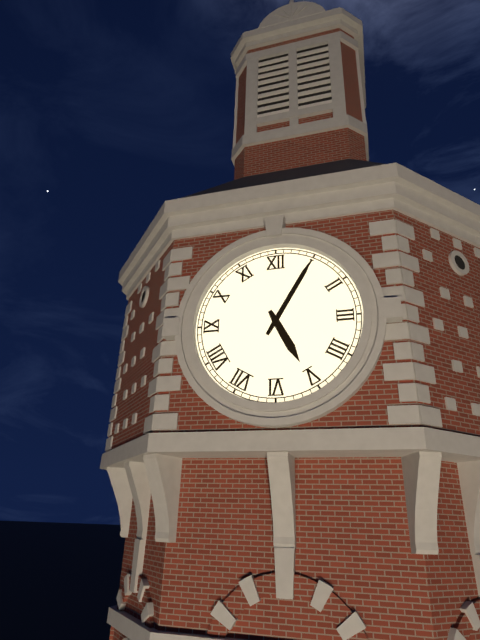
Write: 5h05
